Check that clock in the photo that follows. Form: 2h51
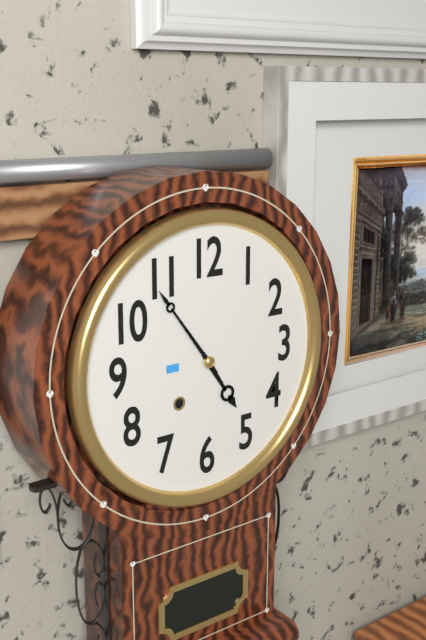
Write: 4h54
